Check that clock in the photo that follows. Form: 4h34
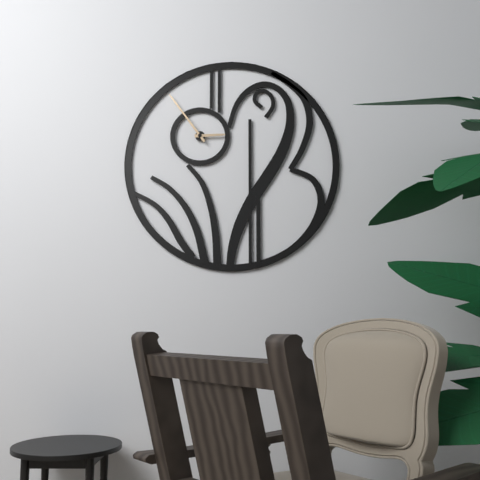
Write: 2h54
